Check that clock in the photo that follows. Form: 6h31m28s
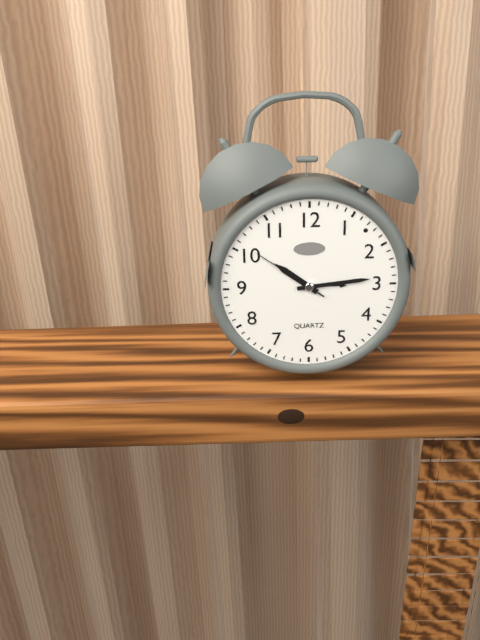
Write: 10h14m51s
